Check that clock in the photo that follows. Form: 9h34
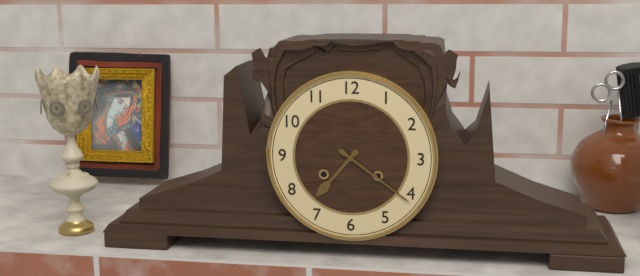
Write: 7h21
